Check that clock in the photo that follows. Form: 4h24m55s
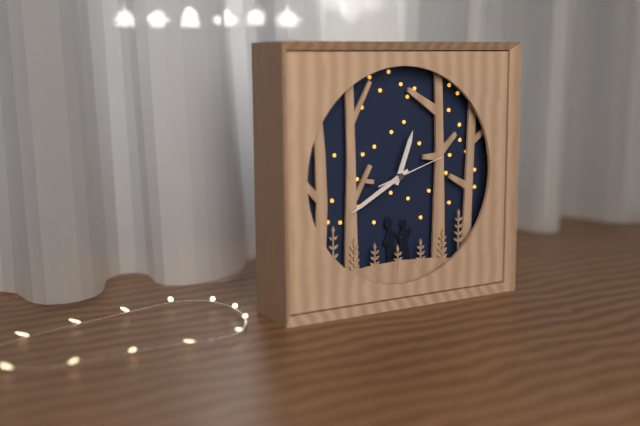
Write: 12h40m12s
